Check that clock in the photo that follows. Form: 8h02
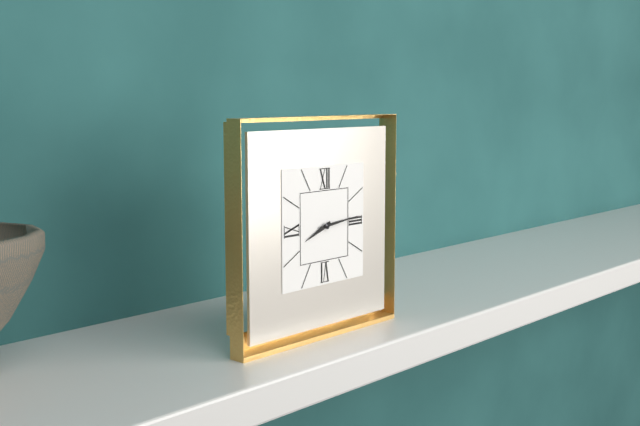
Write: 8h14
